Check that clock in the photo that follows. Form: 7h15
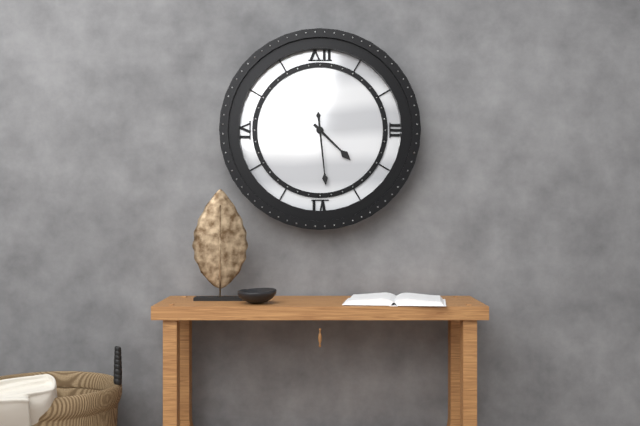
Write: 4h29
